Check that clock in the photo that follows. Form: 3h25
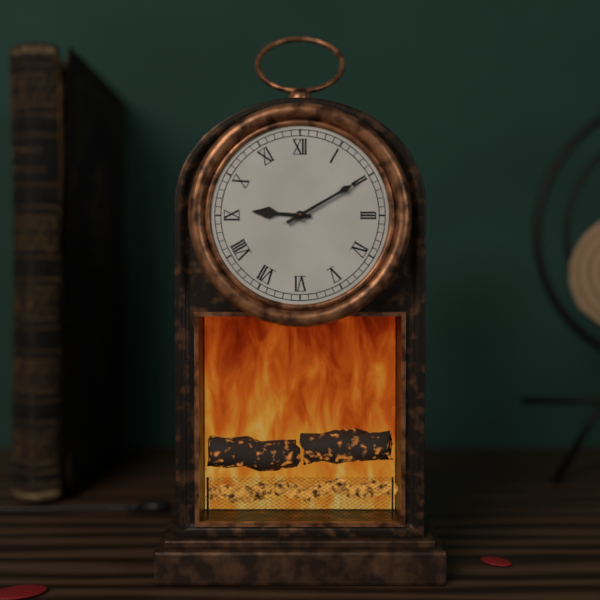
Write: 9h10
